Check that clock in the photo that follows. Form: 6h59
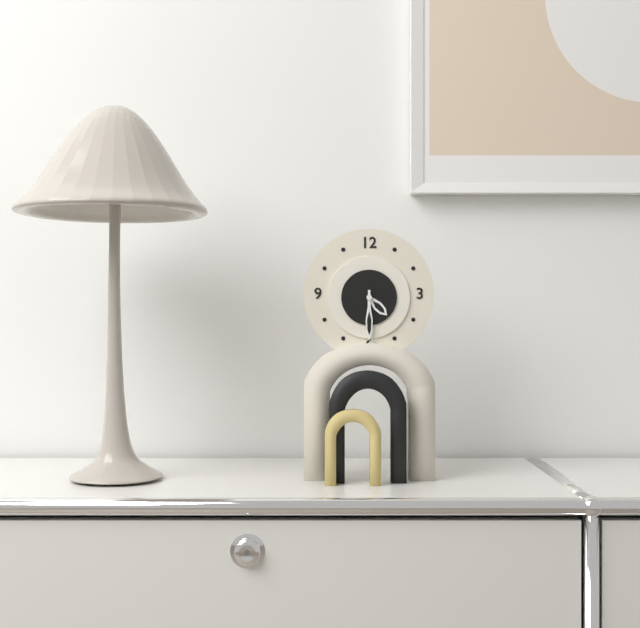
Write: 4h30
